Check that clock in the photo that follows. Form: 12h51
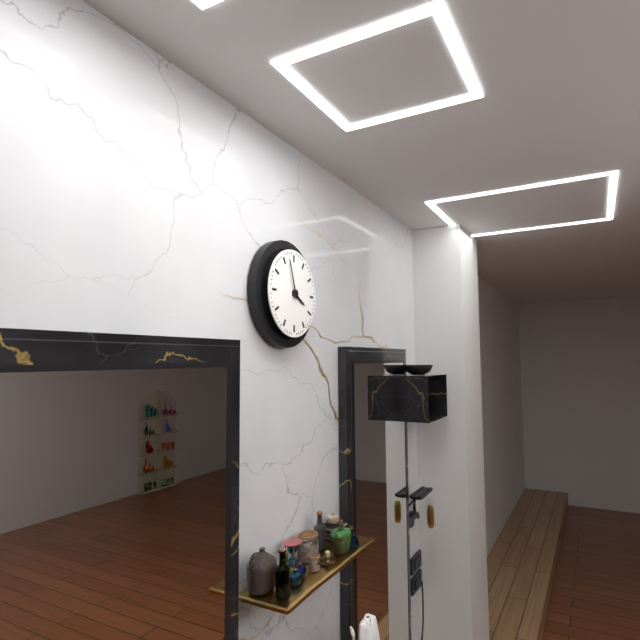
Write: 3h57
